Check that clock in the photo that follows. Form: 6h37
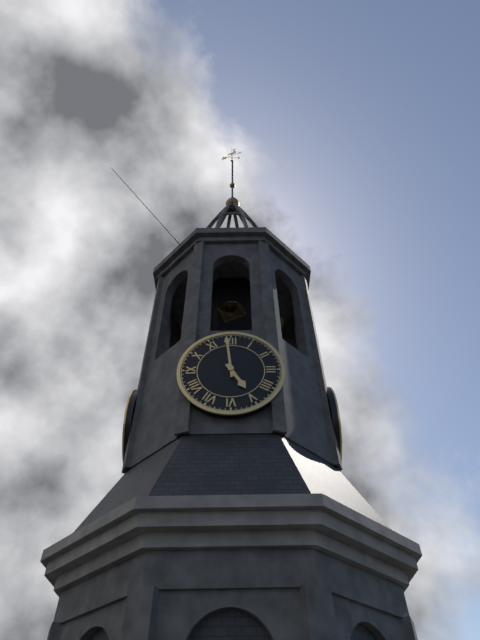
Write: 4h59
